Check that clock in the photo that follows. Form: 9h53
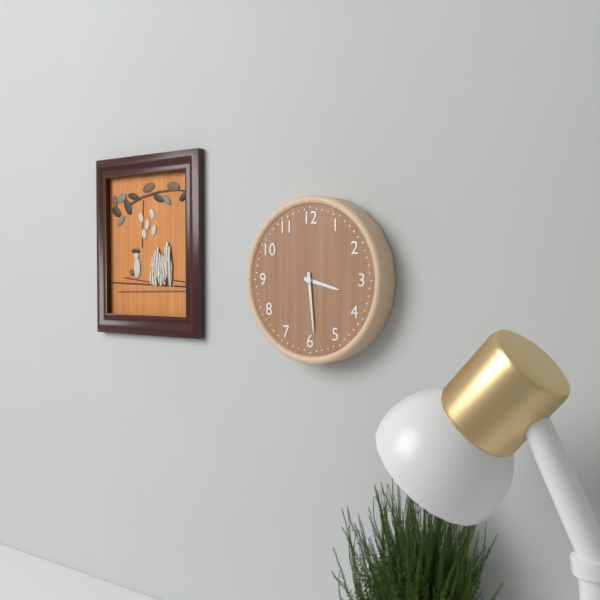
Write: 3h29
